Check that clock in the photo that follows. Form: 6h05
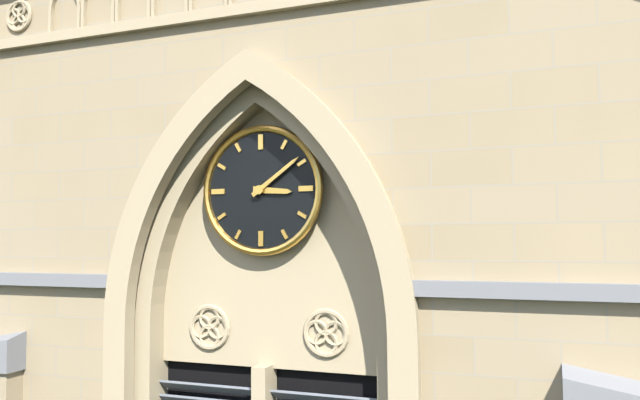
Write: 3h09
